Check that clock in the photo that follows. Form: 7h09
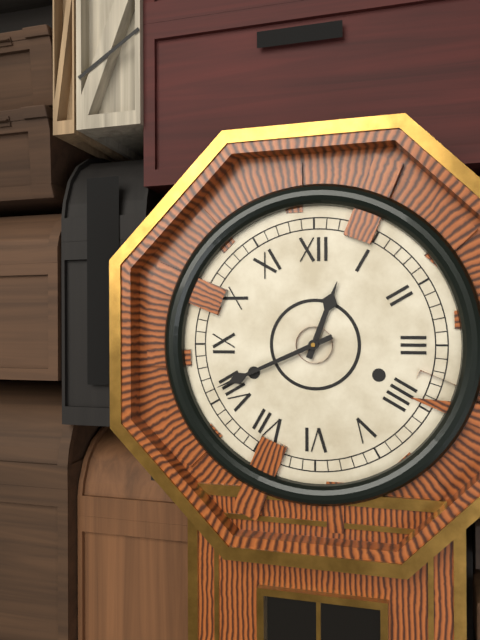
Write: 12h41
